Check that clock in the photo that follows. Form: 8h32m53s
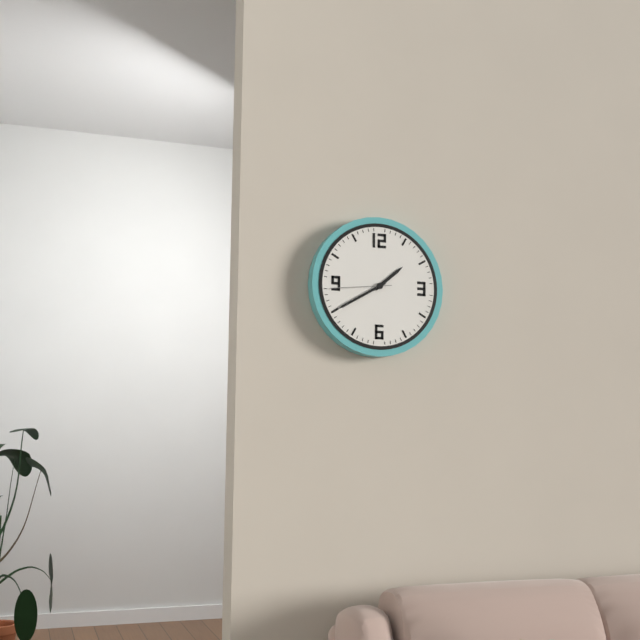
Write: 1h40m44s
